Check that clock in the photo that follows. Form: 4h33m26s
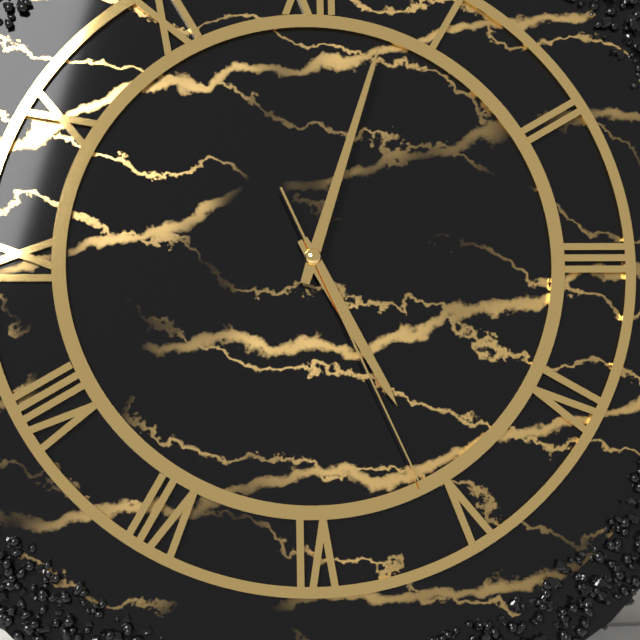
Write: 5h03m26s
